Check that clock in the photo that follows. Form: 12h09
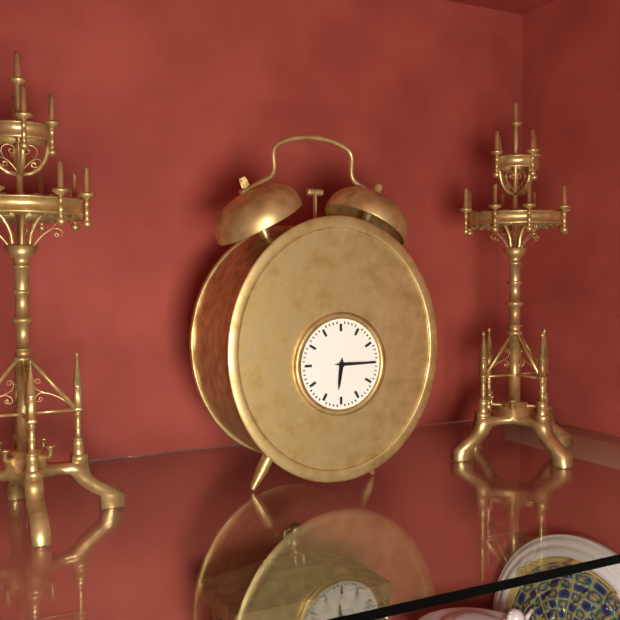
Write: 6h15
